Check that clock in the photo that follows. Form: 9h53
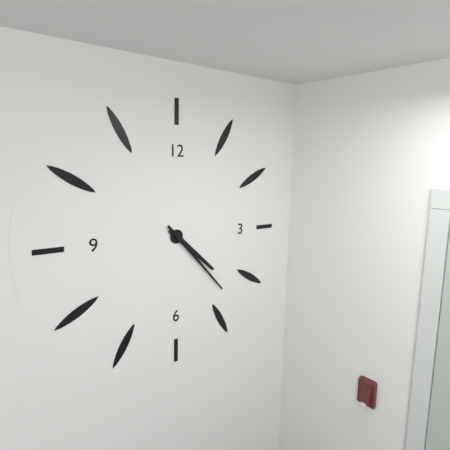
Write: 4h23
